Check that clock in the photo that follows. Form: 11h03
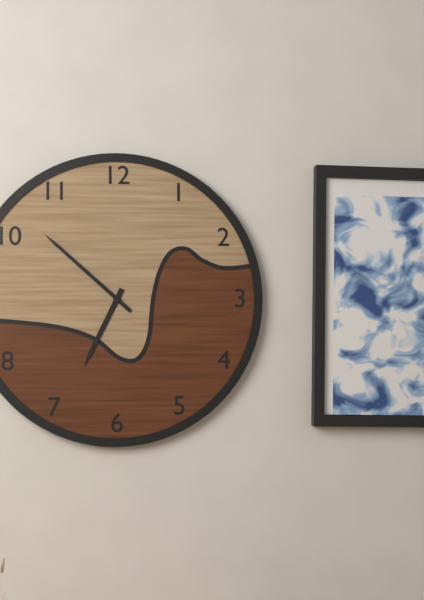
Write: 6h52
